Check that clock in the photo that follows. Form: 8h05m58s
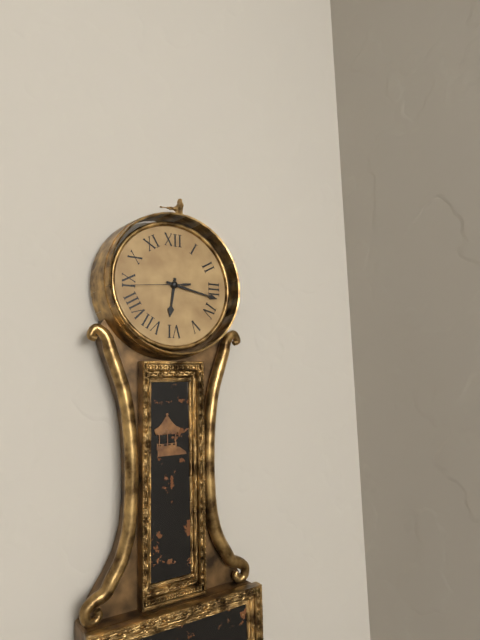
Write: 6h17m44s
